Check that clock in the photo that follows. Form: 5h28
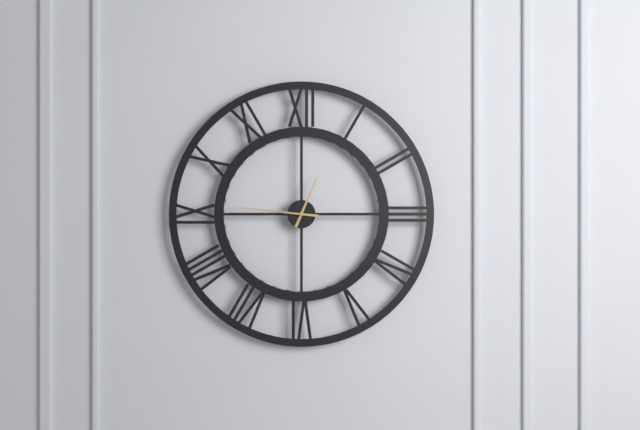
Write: 12h46
